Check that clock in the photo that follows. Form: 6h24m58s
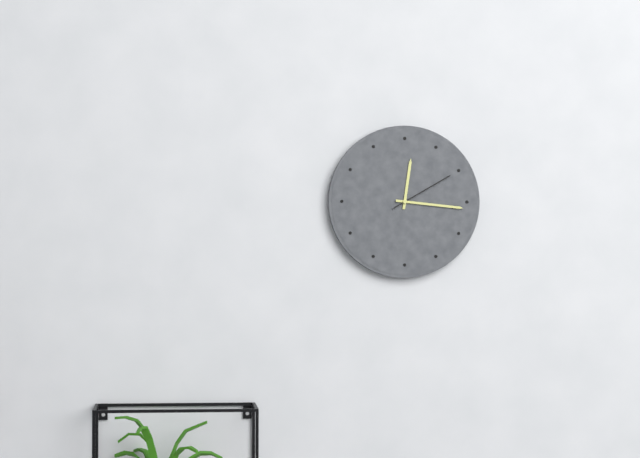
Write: 12h16m10s
